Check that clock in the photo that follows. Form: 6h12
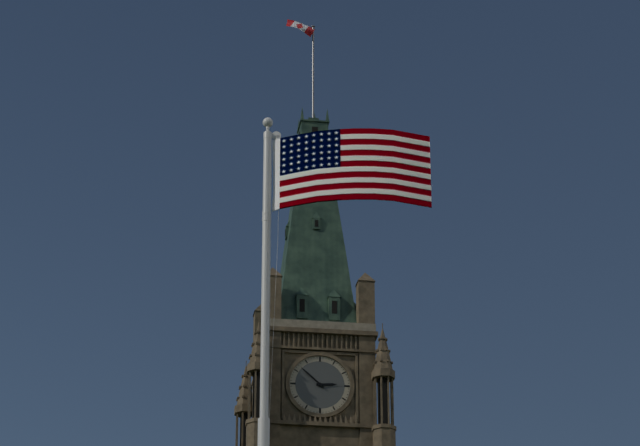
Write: 2h52
